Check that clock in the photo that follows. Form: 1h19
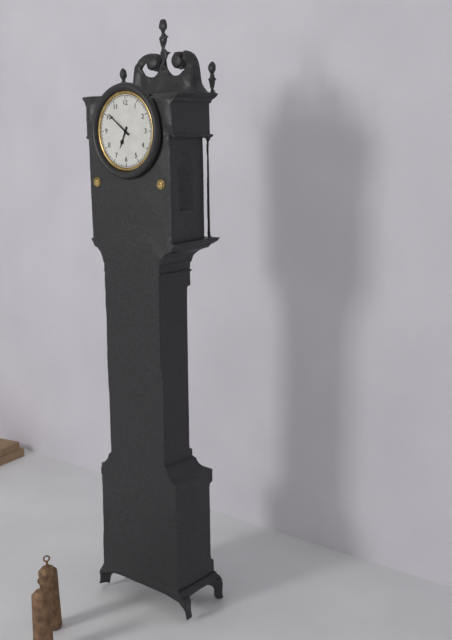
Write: 6h51
